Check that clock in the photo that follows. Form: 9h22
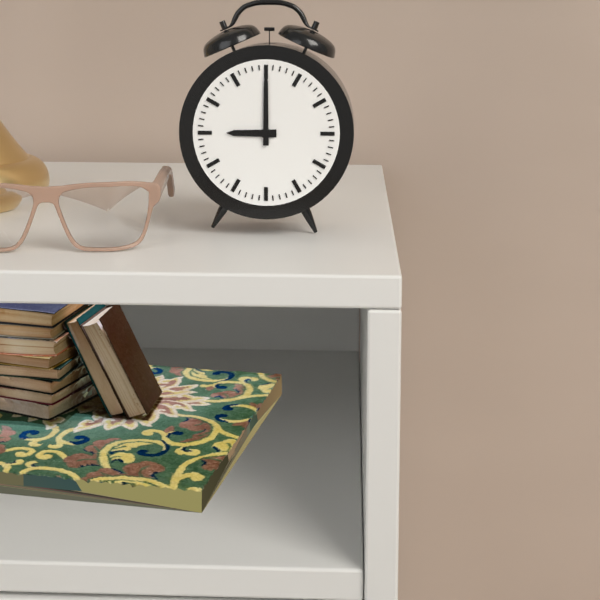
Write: 9h00
